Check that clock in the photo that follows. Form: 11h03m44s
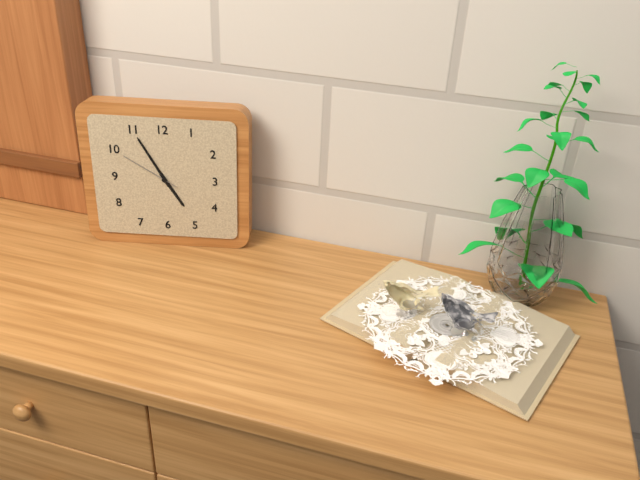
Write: 4h55m50s
